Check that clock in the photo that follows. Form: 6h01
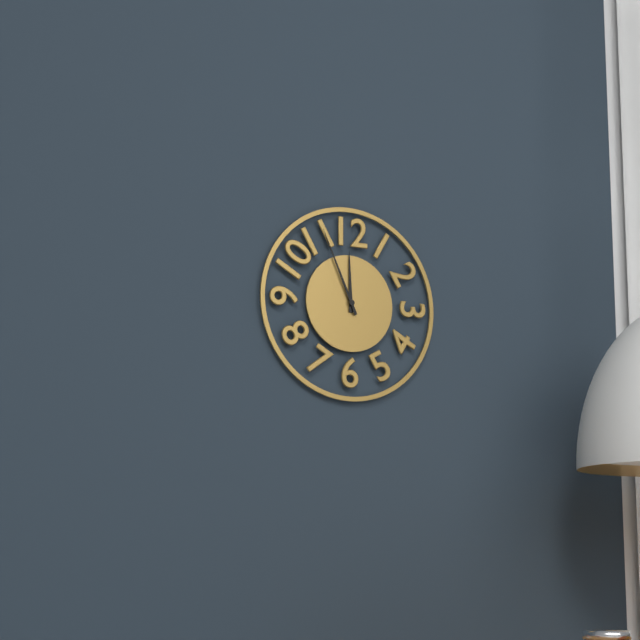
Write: 11h56
